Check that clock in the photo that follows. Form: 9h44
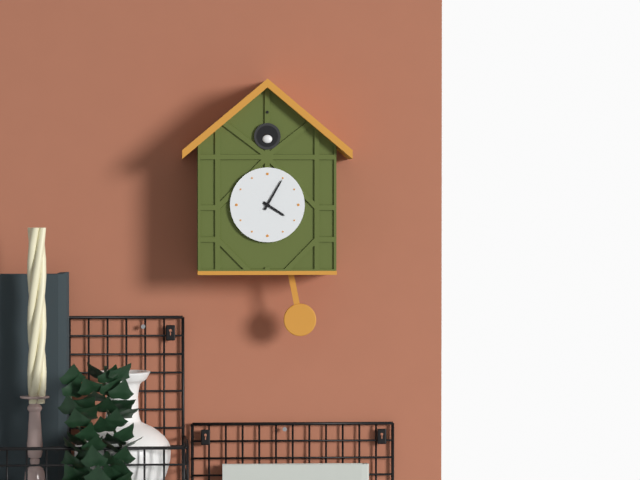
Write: 4h05
